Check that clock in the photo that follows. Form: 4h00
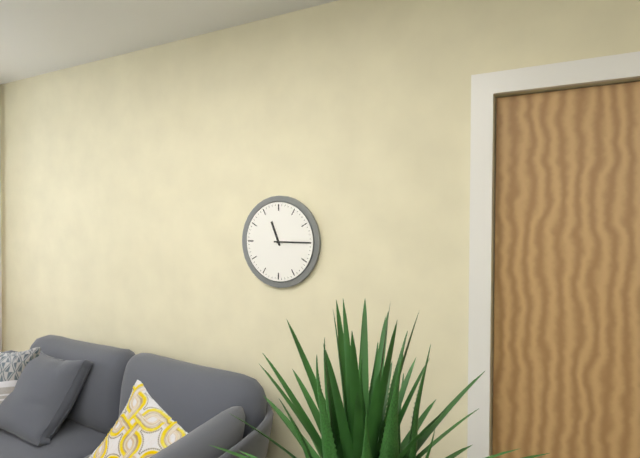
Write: 11h15
